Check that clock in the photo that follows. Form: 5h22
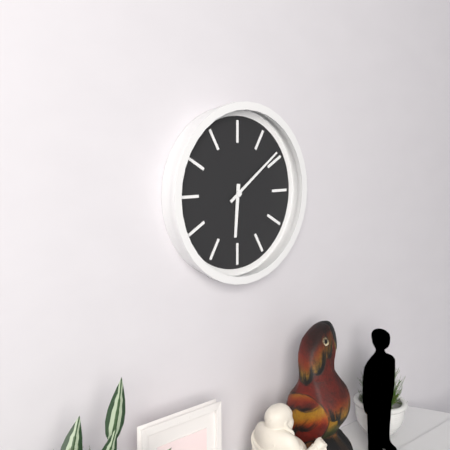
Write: 6h09
